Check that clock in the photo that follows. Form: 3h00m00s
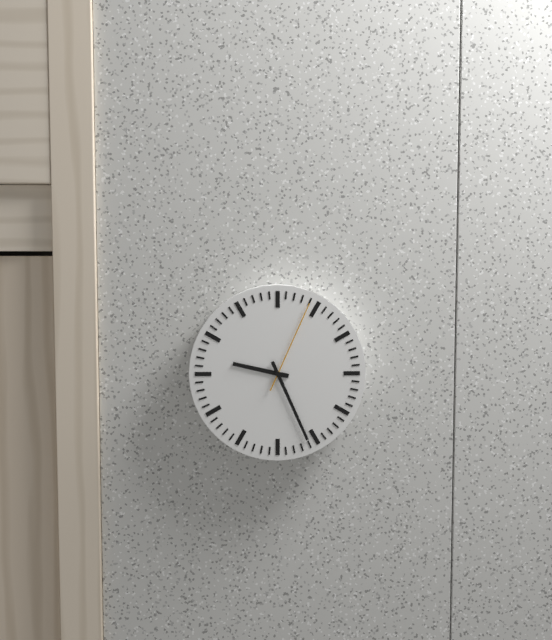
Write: 9h26m04s
